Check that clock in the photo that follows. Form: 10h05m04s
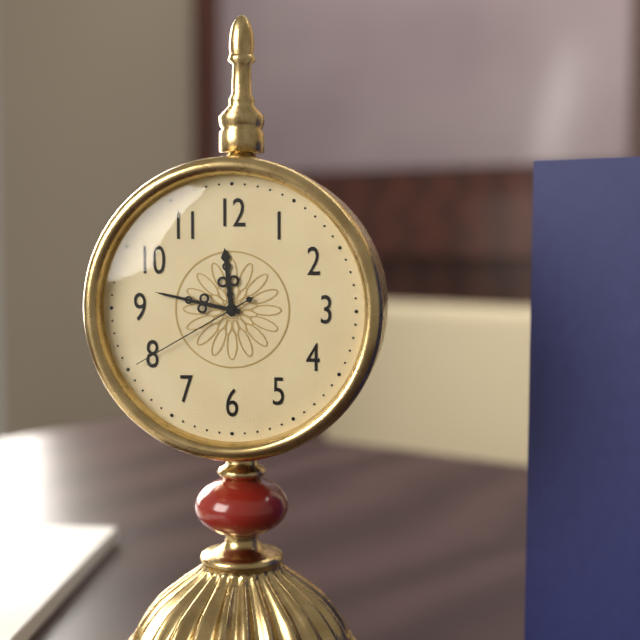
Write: 11h47m40s
